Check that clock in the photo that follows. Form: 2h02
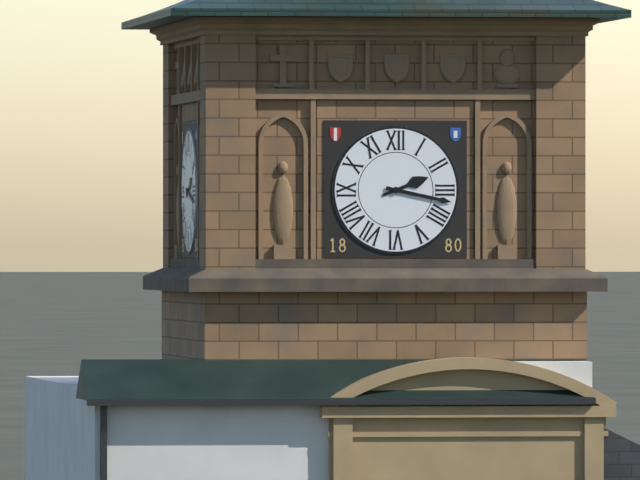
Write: 2h17
